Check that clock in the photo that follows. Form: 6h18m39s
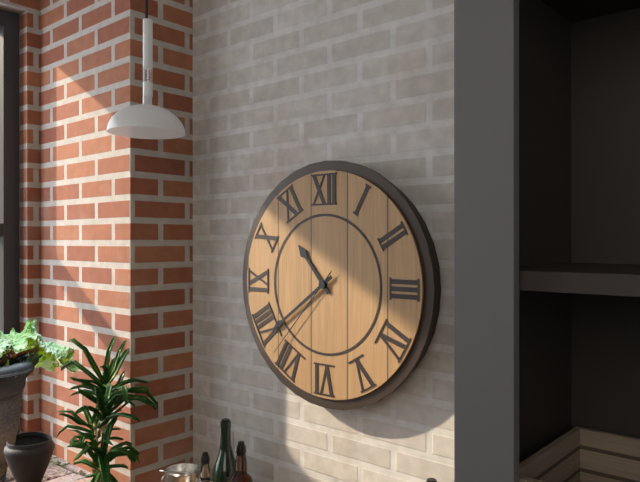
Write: 10h39m37s
